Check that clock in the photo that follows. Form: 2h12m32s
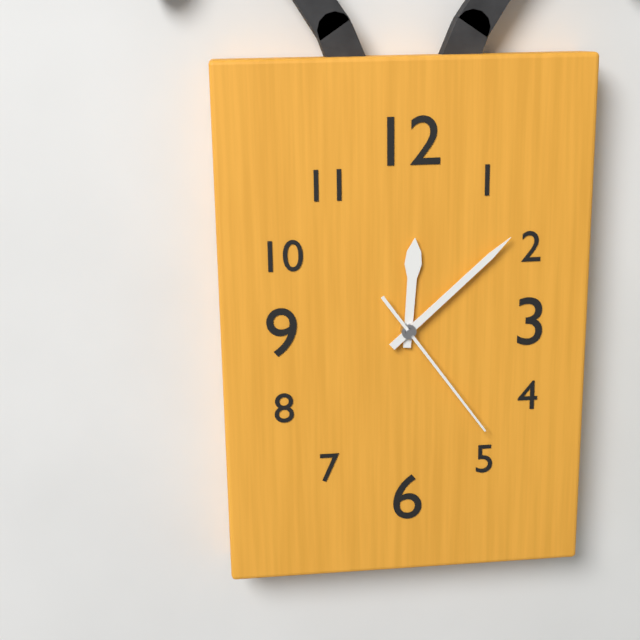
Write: 12h08m24s
